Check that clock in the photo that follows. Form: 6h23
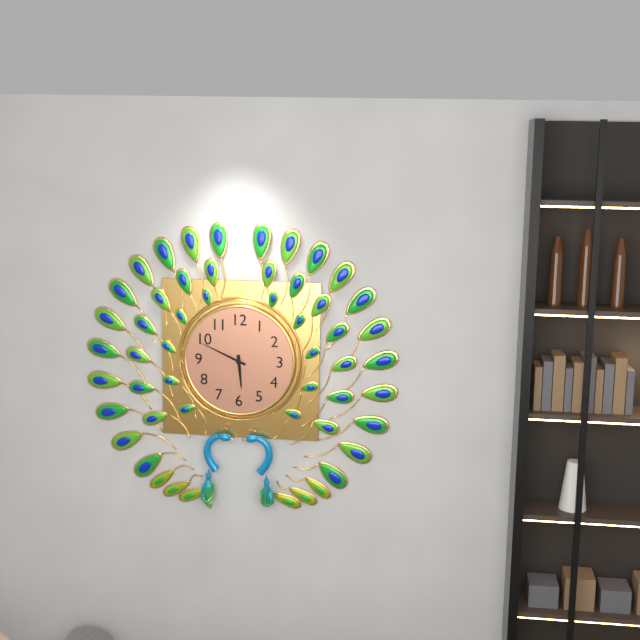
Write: 5h49
